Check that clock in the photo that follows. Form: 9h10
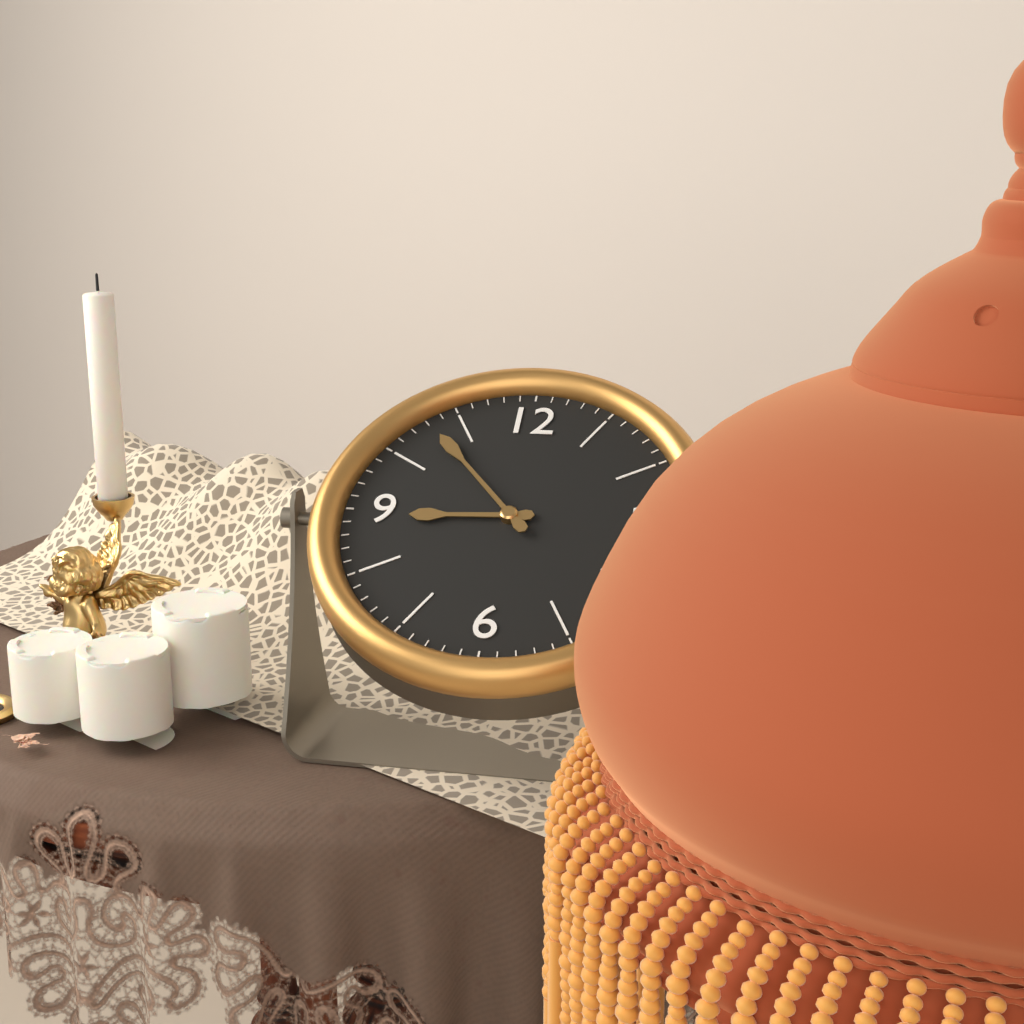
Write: 8h53
